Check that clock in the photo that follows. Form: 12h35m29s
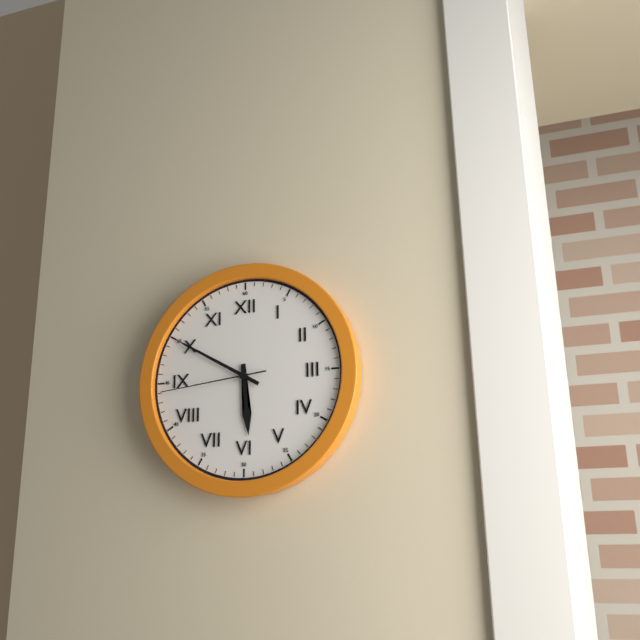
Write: 5h50m44s
